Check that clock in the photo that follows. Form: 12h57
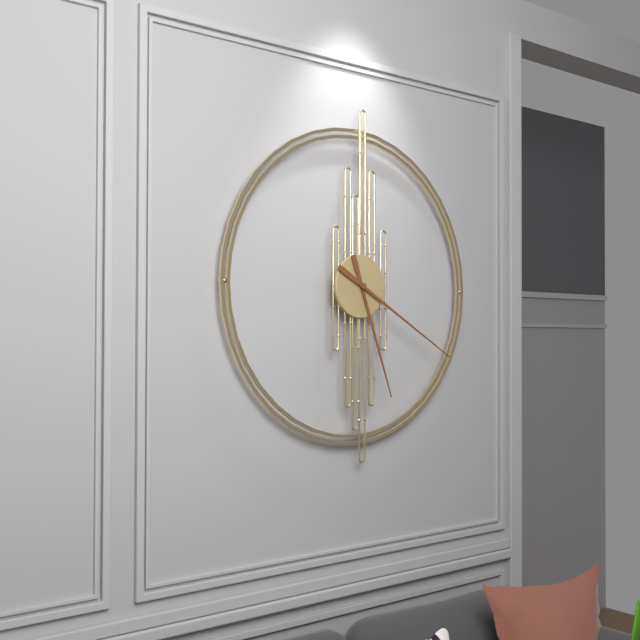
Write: 5h20
